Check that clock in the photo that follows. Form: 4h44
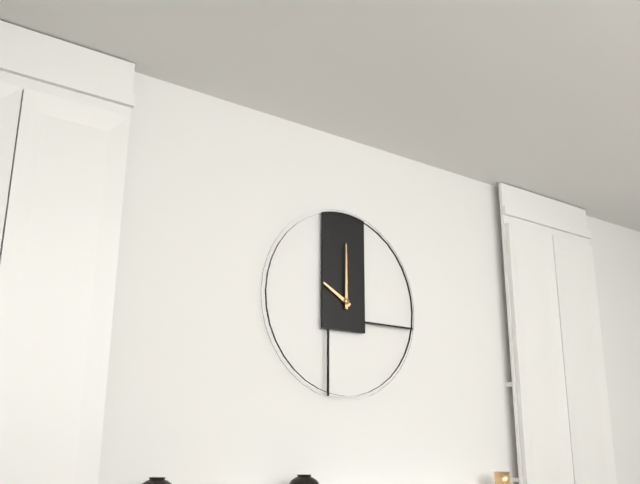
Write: 10h00
